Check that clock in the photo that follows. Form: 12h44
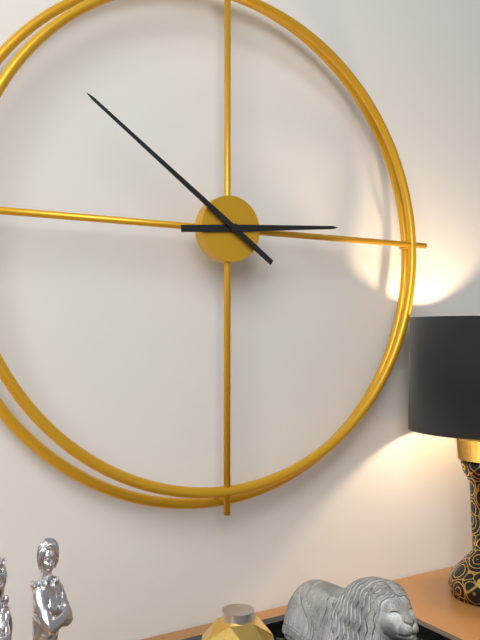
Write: 2h51
